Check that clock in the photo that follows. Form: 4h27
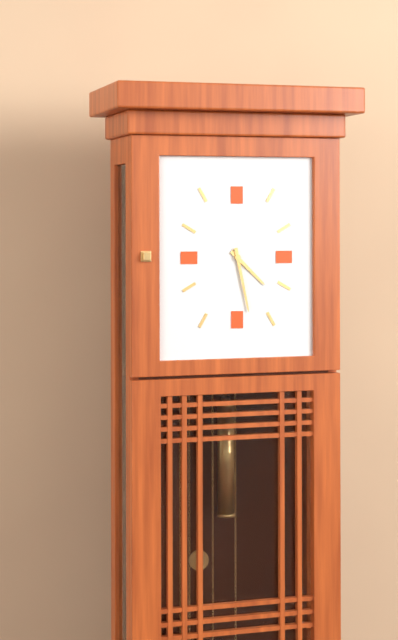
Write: 4h28
